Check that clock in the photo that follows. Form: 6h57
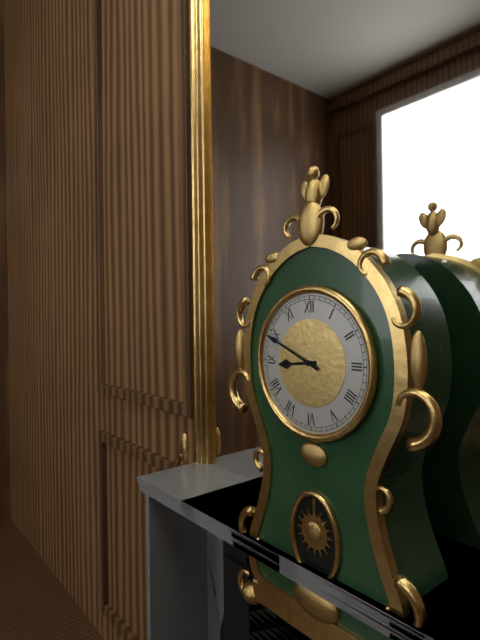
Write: 8h49
